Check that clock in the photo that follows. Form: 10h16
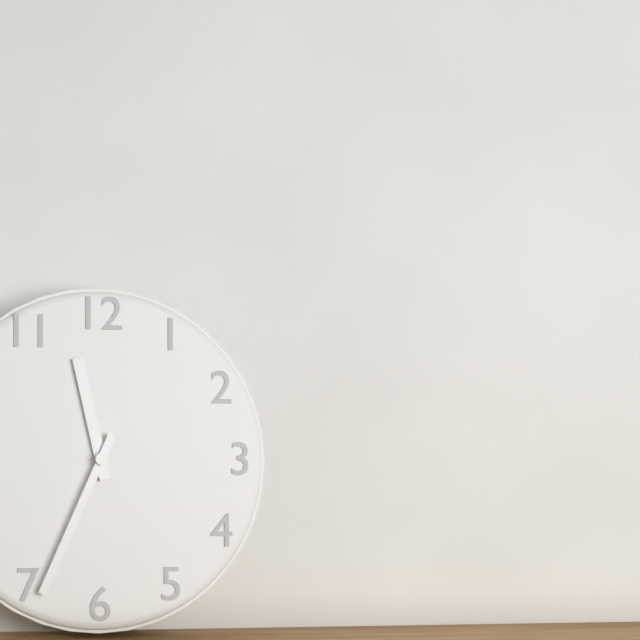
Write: 11h34
